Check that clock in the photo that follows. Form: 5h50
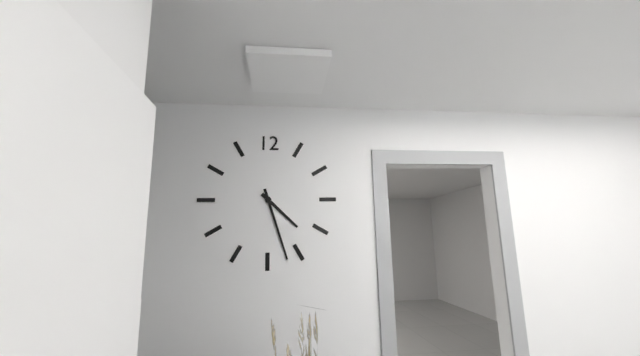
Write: 4h27
